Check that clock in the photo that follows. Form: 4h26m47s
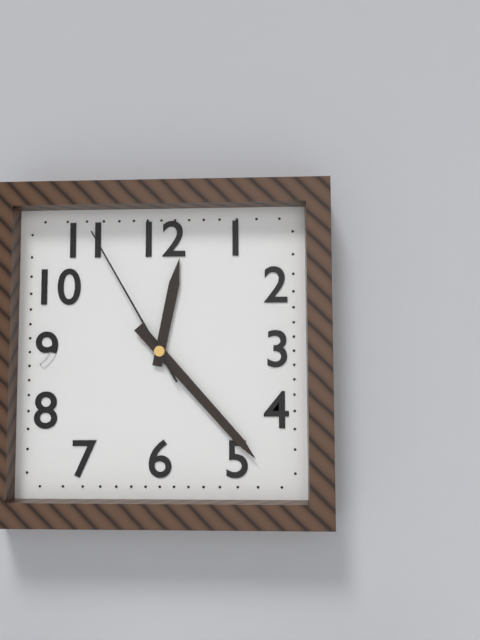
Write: 12h23m55s
